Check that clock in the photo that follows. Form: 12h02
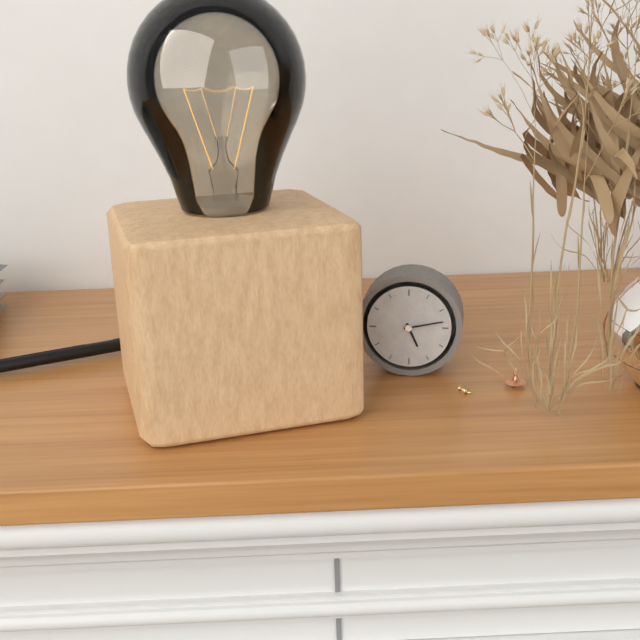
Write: 5h13
